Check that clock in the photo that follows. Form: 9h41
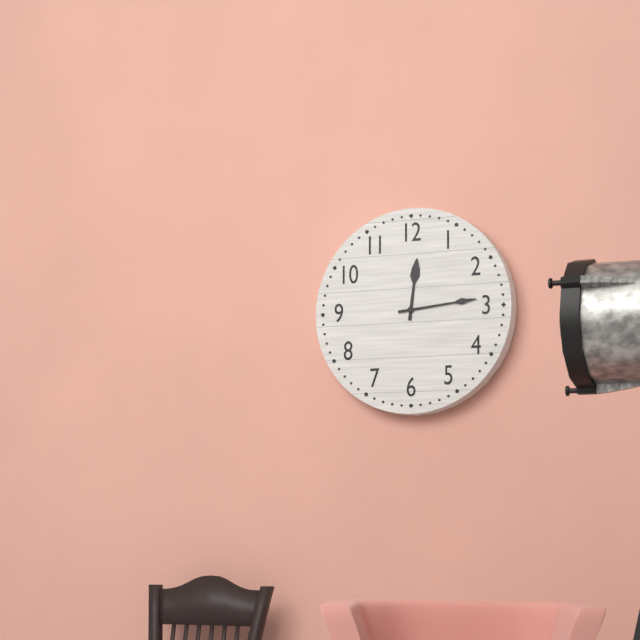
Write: 12h14
